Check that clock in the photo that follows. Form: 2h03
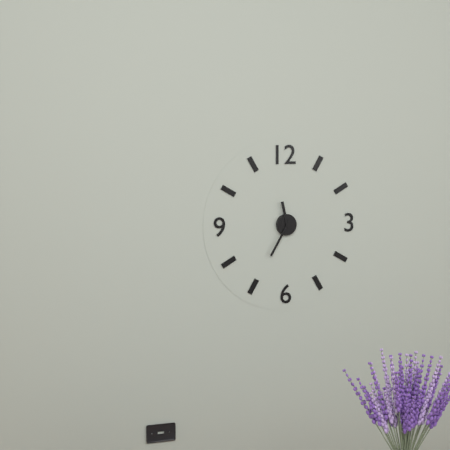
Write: 11h35
